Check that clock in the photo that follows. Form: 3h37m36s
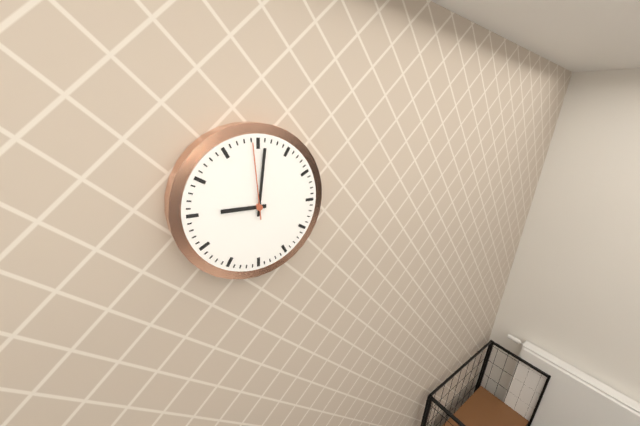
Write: 9h01m59s
